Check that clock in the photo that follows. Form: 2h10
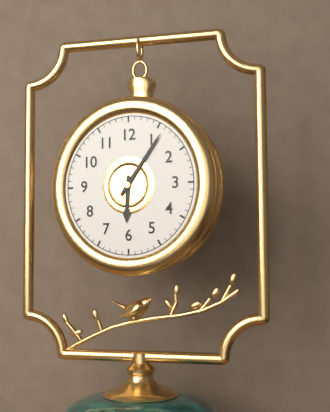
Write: 6h06
